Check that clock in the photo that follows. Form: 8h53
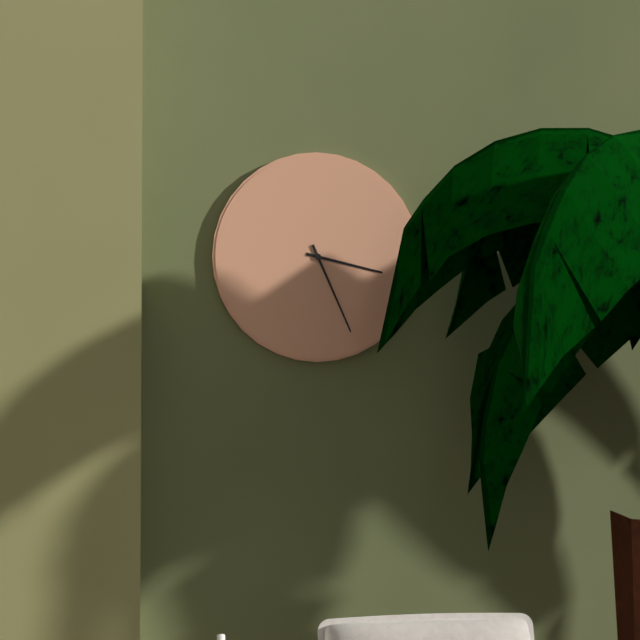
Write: 3h26
